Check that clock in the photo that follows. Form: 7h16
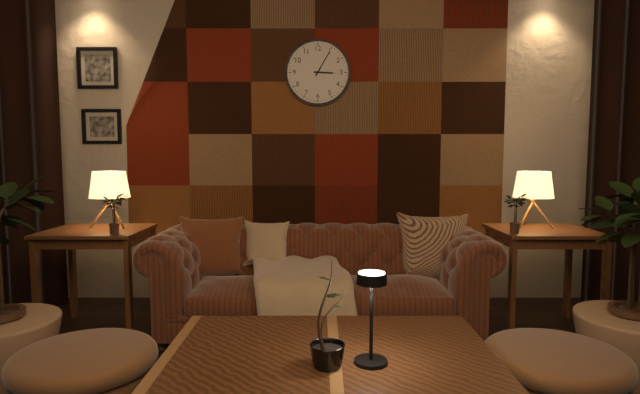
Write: 3h05
